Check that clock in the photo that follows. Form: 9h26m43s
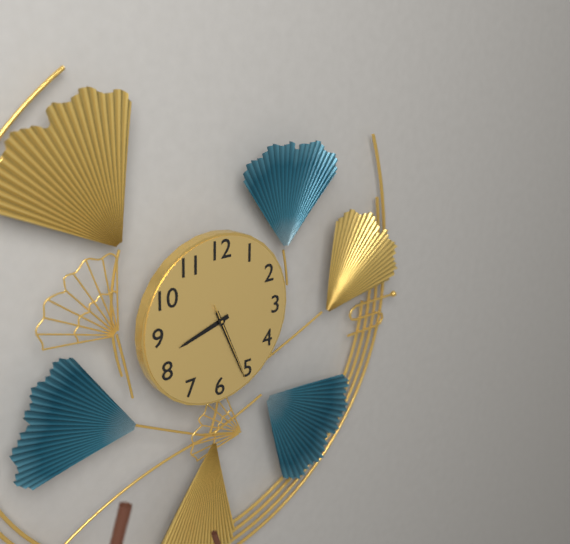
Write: 8h26m26s
